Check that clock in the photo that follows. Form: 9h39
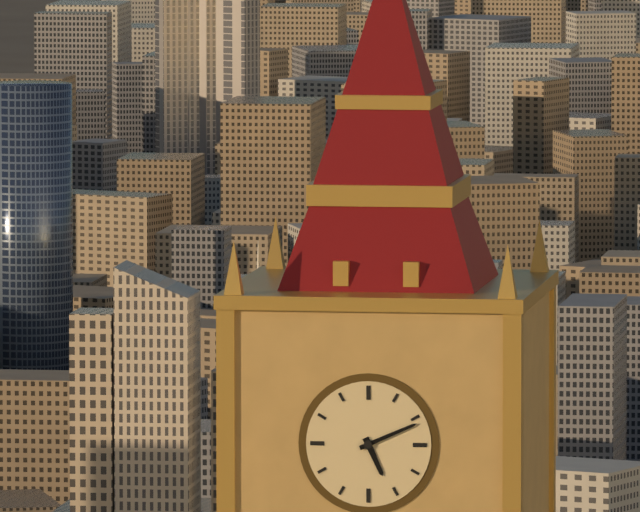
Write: 5h11
